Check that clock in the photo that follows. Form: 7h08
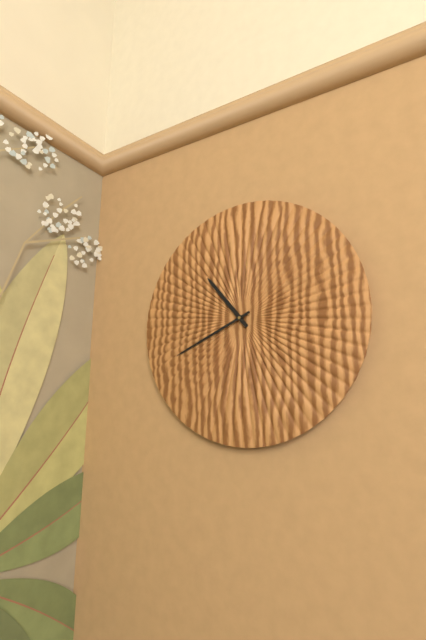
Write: 10h41
